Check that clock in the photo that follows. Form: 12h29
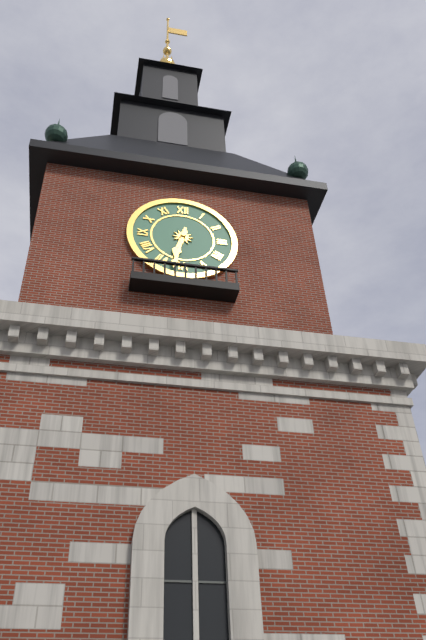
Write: 6h32
